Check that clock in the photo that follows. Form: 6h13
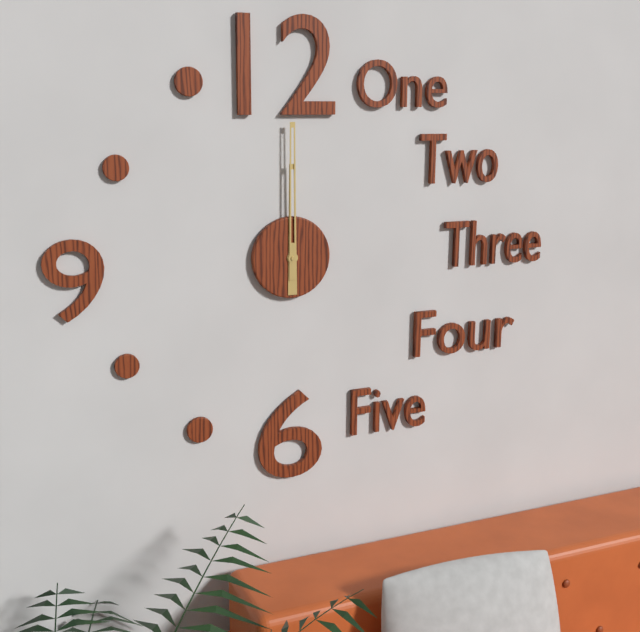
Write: 12h00
